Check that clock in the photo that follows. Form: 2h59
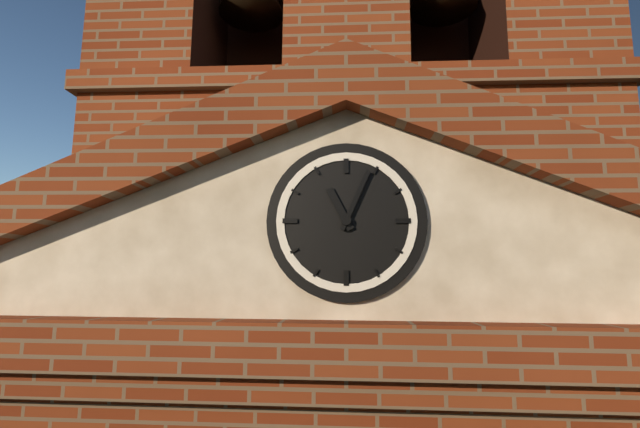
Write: 11h04
